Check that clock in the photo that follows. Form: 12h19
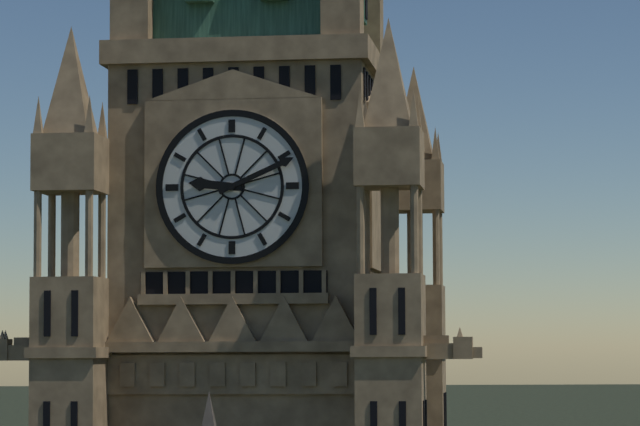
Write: 9h11
